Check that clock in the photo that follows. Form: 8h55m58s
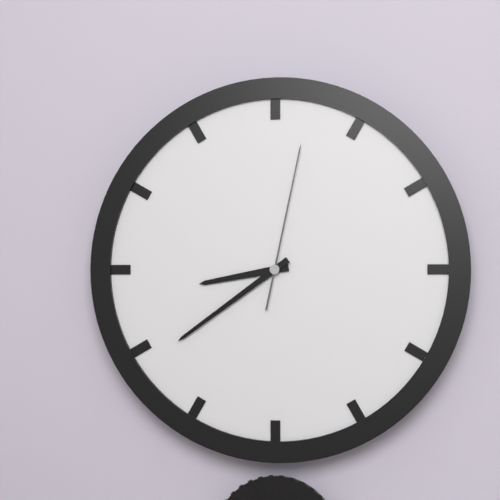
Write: 8h39m02s
